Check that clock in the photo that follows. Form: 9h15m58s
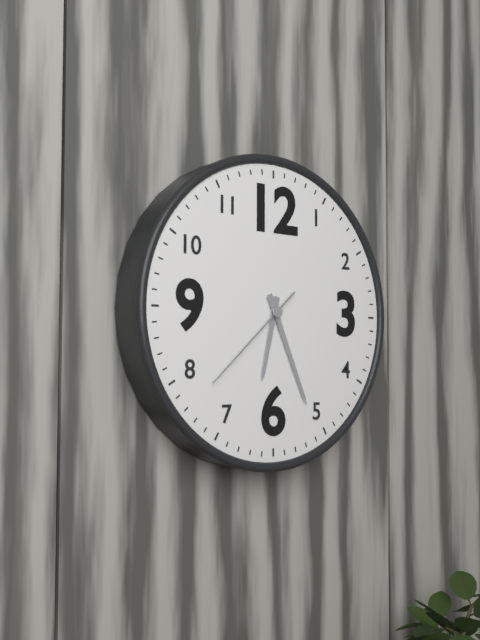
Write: 6h26m38s
